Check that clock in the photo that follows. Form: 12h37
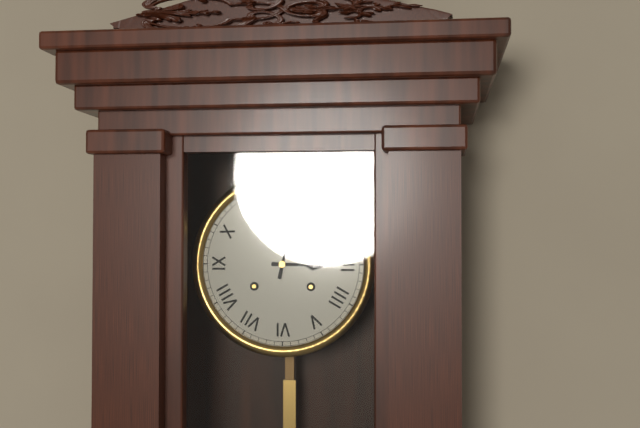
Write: 3h02
